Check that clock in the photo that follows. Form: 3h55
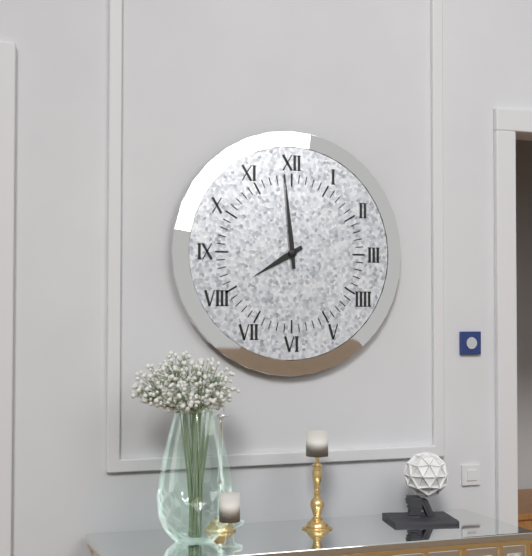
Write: 7h59
